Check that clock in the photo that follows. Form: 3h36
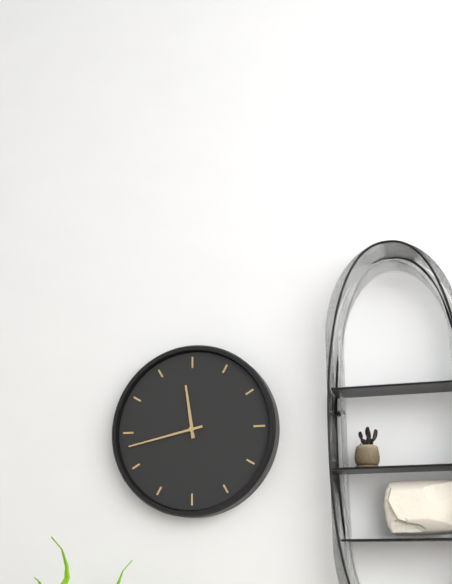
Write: 11h43
